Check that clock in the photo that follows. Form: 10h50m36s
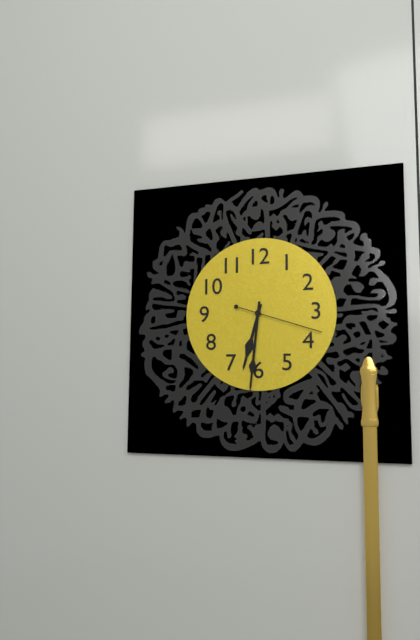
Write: 6h31m18s
